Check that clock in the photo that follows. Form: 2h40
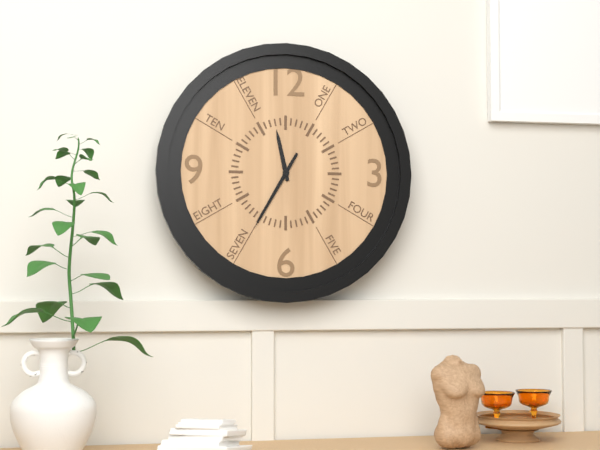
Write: 11h35
